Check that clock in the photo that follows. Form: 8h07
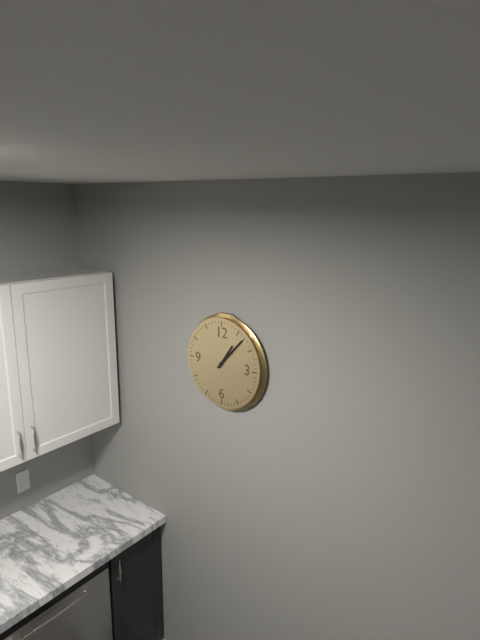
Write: 1h07
